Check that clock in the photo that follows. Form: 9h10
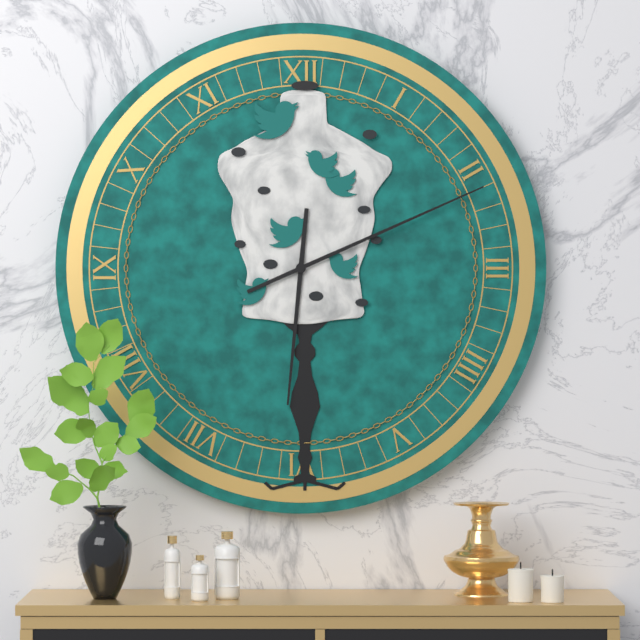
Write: 6h11
